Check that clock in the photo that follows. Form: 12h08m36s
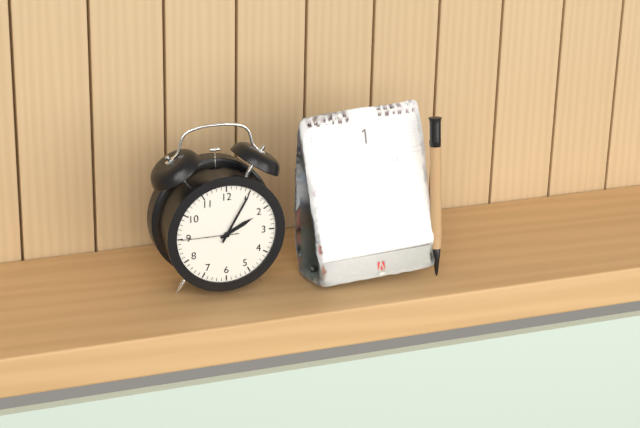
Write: 2h05m45s
